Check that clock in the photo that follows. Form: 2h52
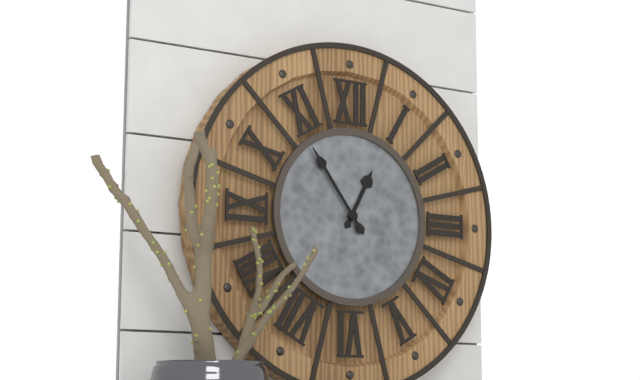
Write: 12h54
